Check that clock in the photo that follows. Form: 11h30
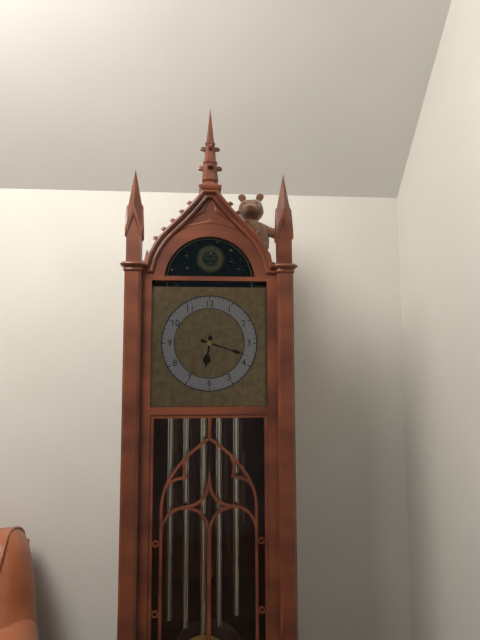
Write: 6h18
